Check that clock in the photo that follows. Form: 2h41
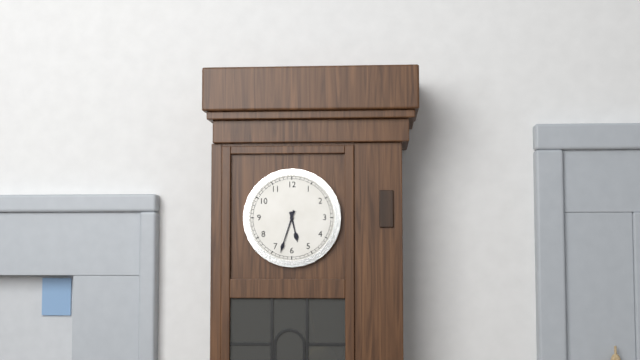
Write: 5h33
